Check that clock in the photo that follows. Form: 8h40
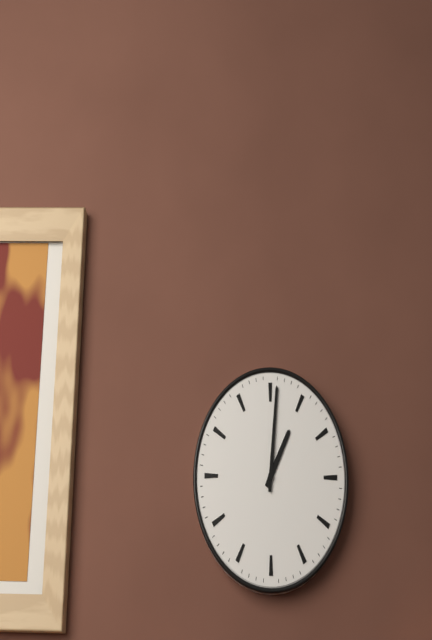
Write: 1h01
